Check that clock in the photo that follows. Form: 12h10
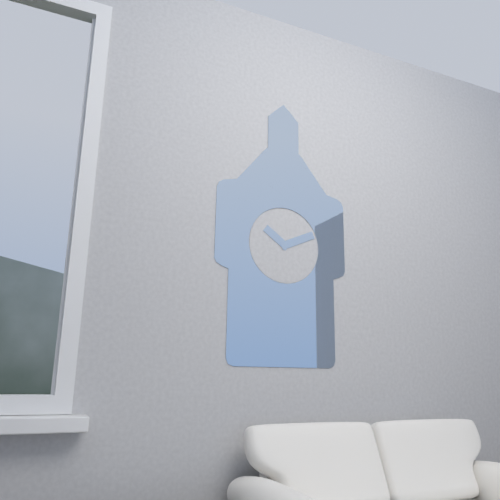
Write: 10h11
